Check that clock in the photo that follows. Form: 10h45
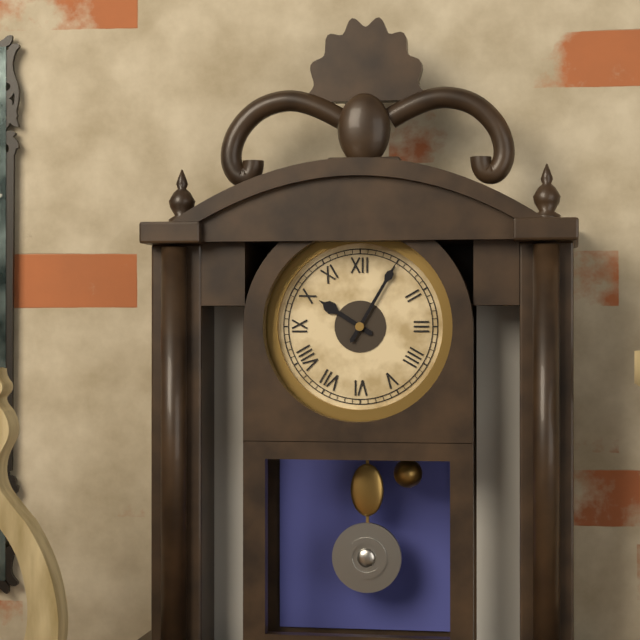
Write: 10h05
